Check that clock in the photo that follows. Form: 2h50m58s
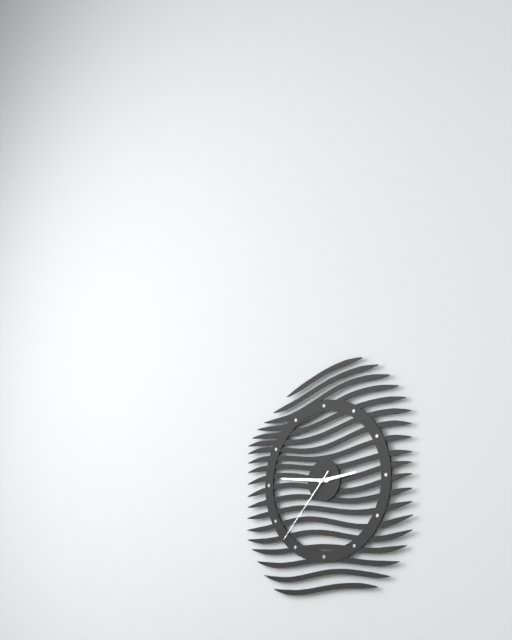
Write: 2h46m37s
